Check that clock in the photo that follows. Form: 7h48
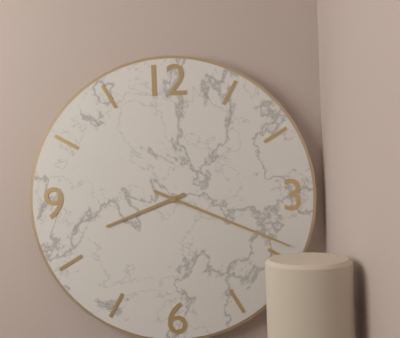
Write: 8h19
